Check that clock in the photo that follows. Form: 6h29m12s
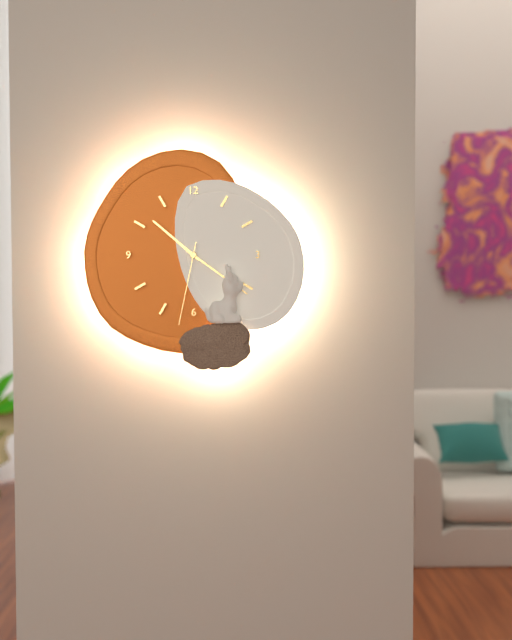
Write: 10h21m32s
